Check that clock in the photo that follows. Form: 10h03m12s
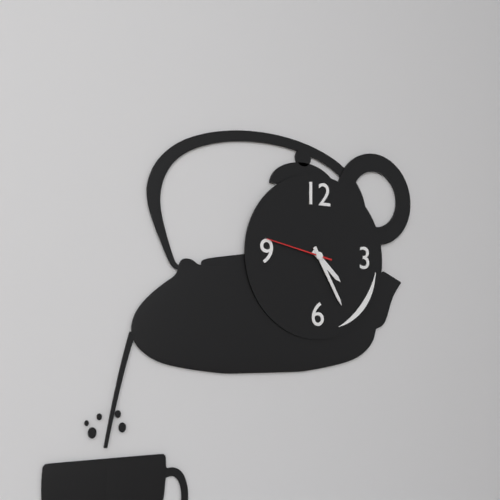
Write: 4h25m47s
